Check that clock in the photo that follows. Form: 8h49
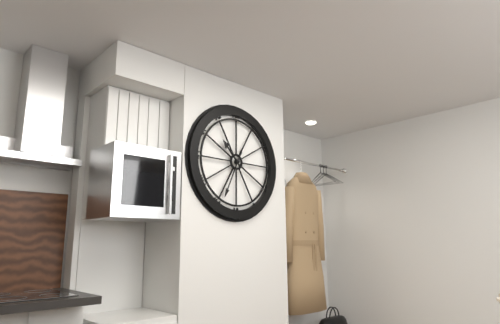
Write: 10h34
